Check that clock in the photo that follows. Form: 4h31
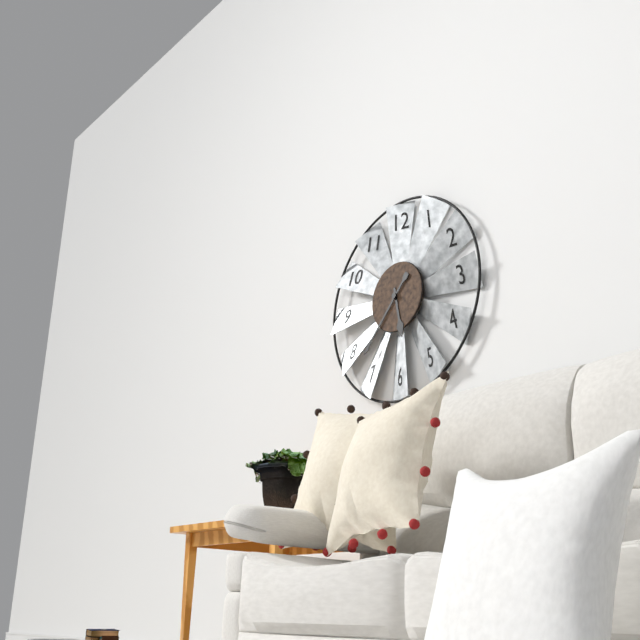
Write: 5h37
